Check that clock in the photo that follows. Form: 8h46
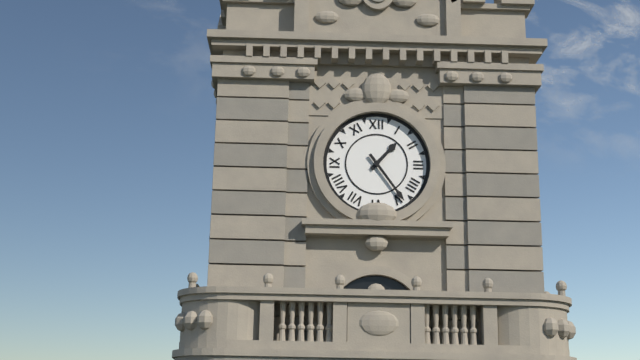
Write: 1h24
